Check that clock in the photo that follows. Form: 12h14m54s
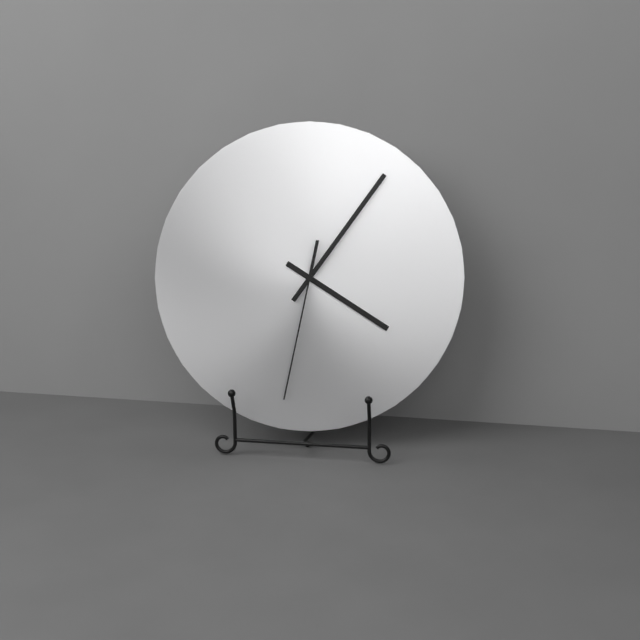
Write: 4h06m32s
